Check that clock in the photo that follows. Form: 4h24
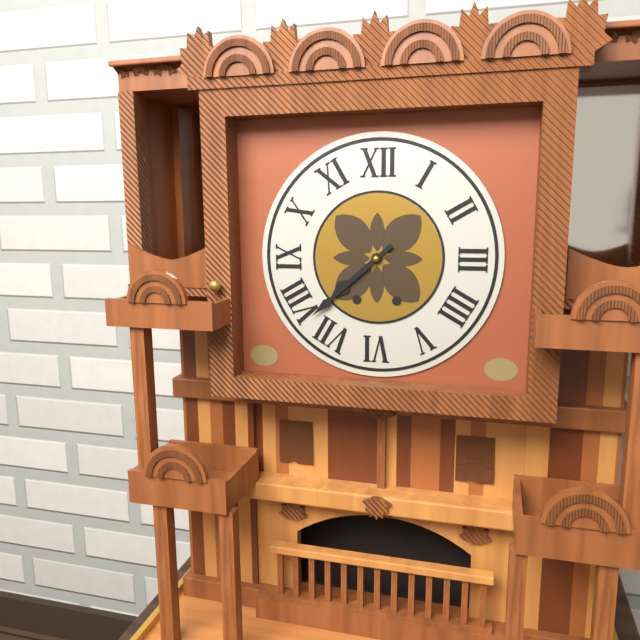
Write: 7h38
